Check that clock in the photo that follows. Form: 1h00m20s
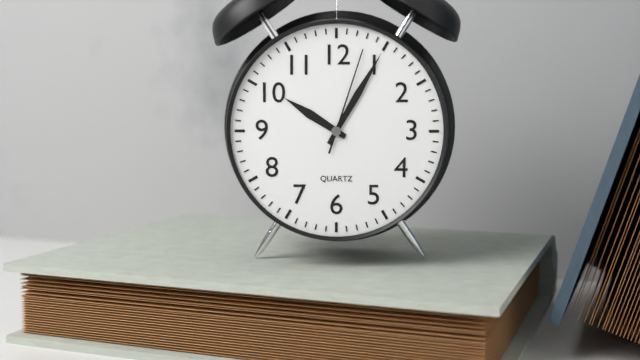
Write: 10h05m03s
